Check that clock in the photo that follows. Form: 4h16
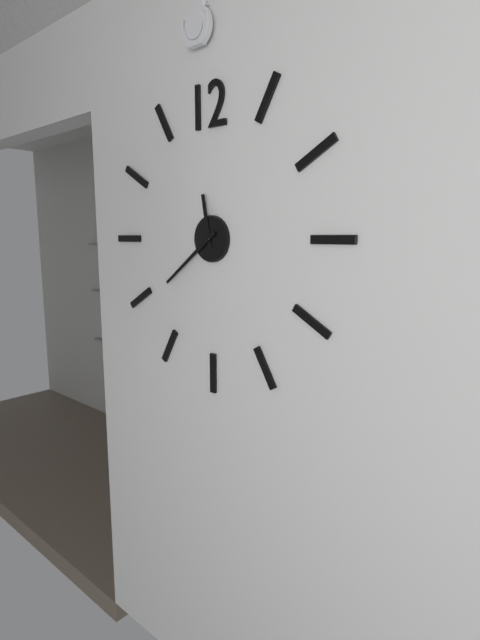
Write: 11h39
